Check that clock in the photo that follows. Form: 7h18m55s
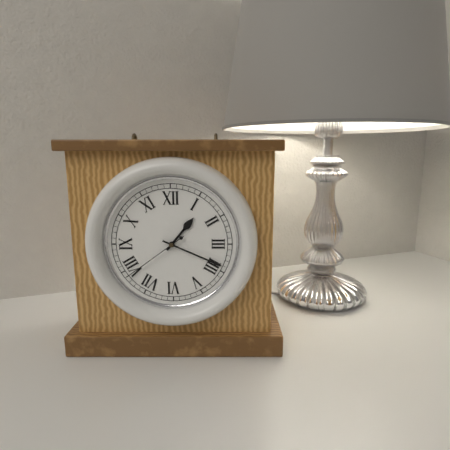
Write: 1h19m39s
